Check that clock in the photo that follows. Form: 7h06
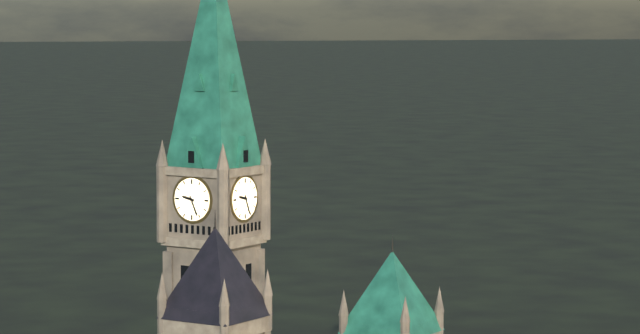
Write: 9h26
